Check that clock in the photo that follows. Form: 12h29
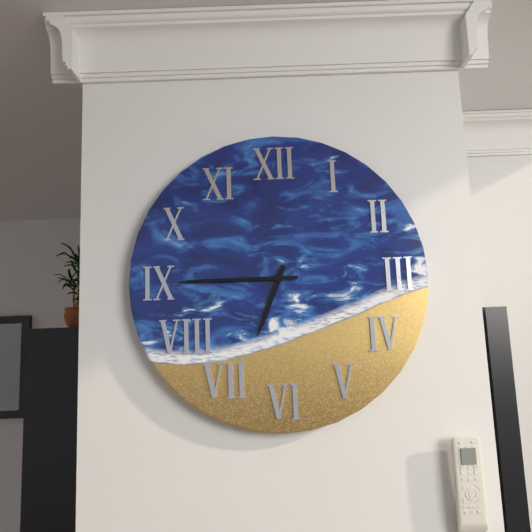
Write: 6h45
